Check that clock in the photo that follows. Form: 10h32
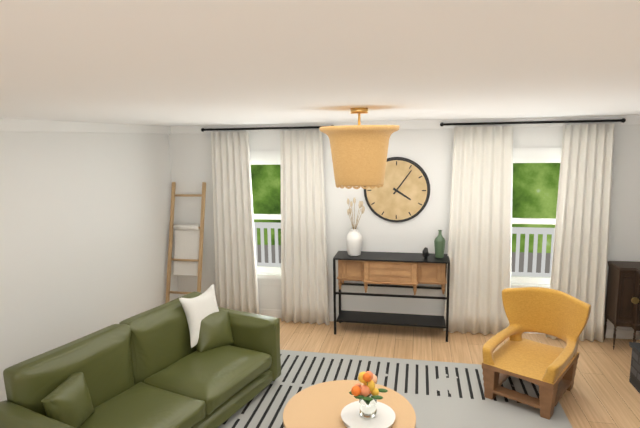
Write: 4h06
